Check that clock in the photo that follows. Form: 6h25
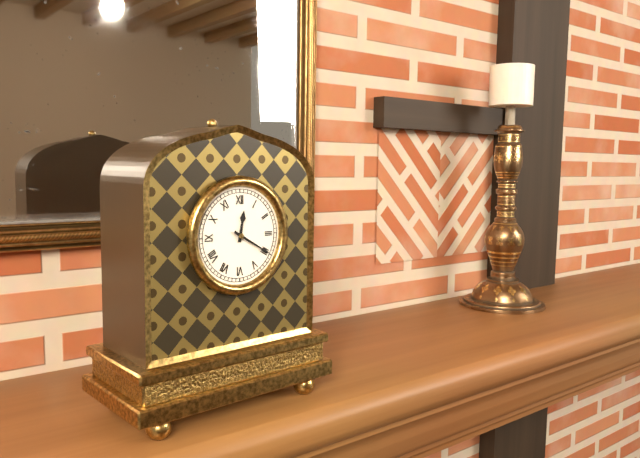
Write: 12h20
